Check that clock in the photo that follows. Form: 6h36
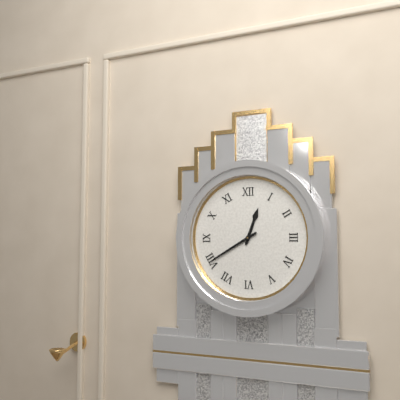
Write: 12h40
